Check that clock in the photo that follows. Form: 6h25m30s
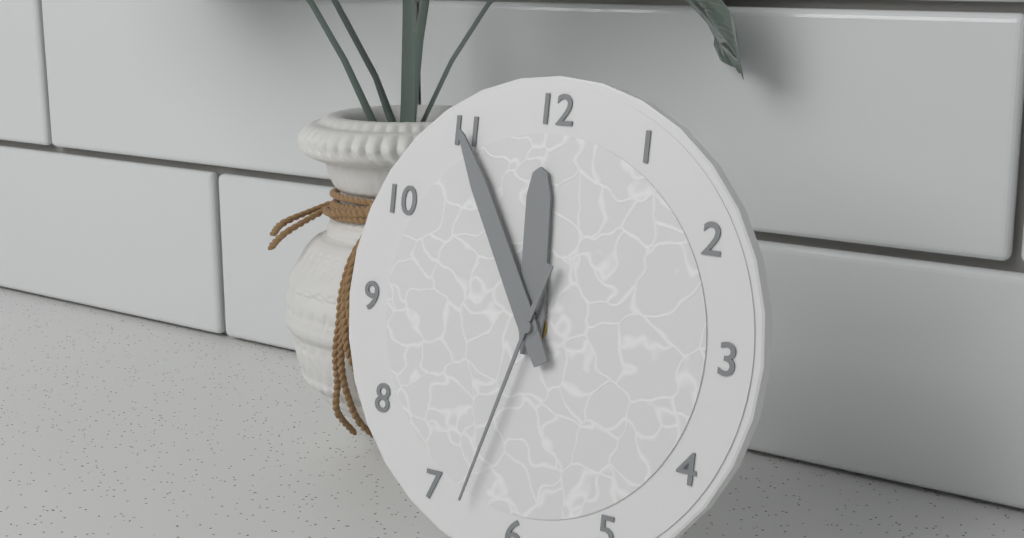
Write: 11h55m33s
